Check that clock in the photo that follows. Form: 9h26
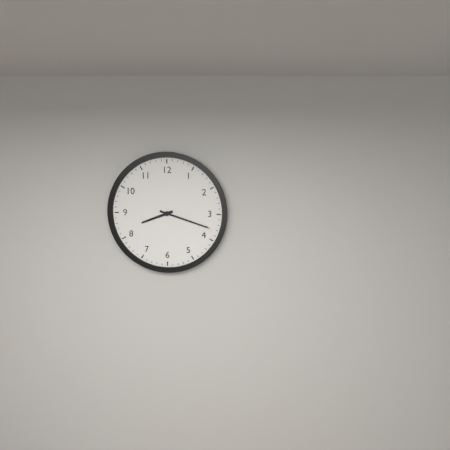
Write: 8h18
